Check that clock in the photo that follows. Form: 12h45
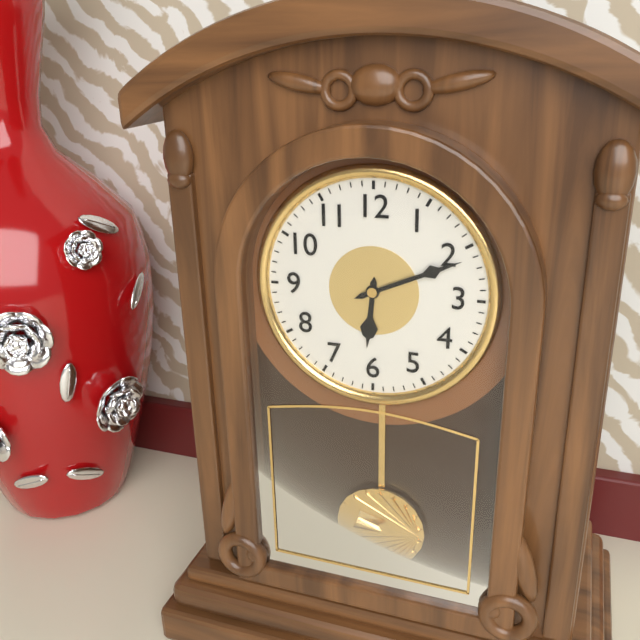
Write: 6h11
